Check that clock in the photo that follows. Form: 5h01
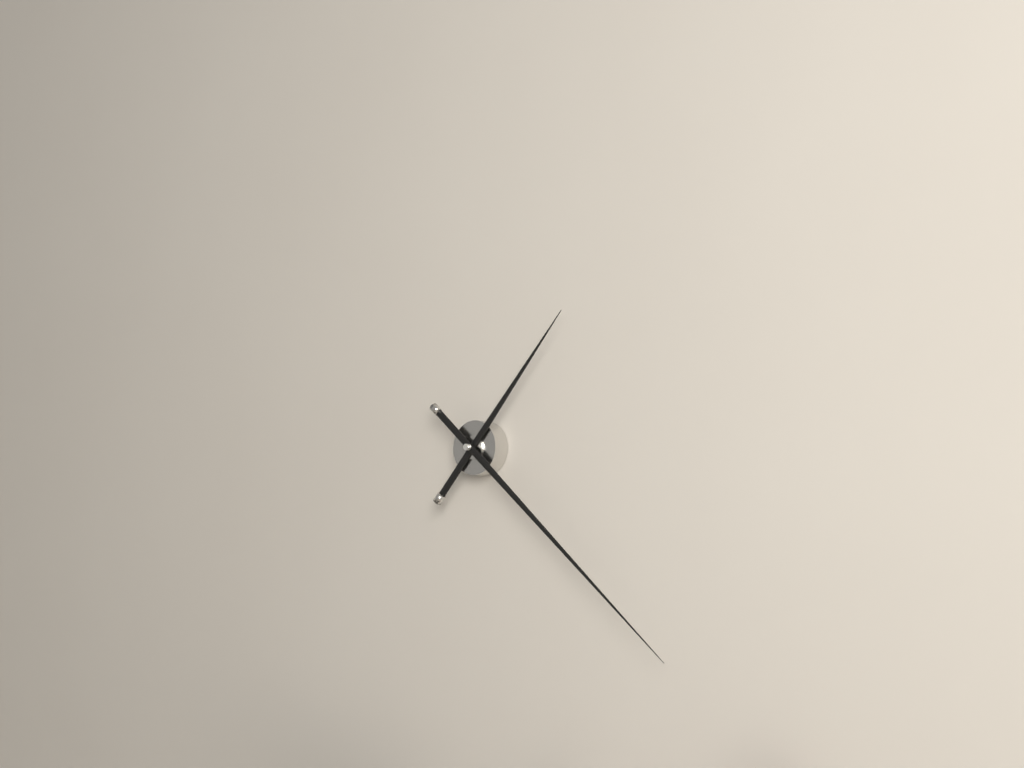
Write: 1h22
